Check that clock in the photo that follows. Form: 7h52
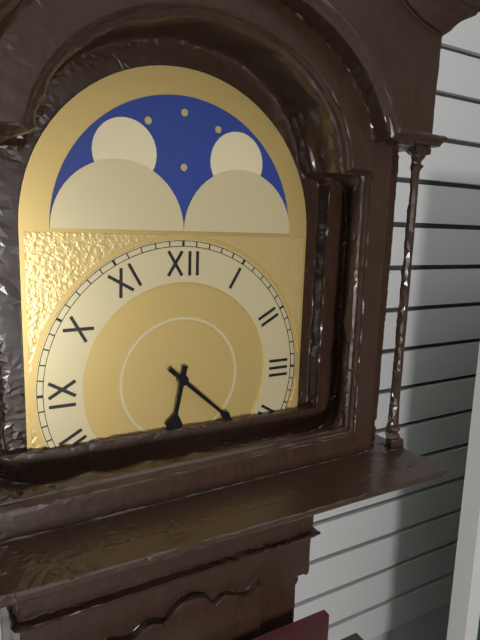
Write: 6h22
